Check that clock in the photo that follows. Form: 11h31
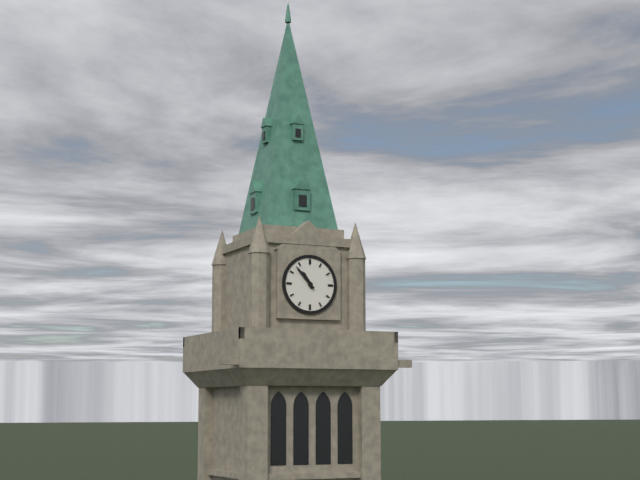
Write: 10h53
